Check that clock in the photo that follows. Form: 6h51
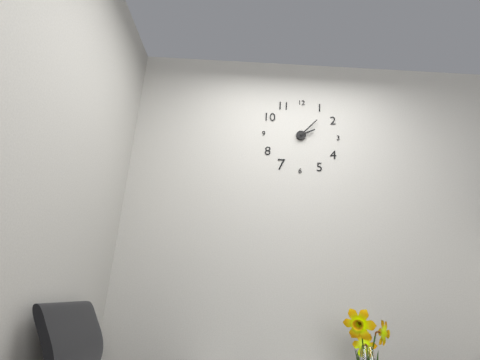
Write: 2h07
